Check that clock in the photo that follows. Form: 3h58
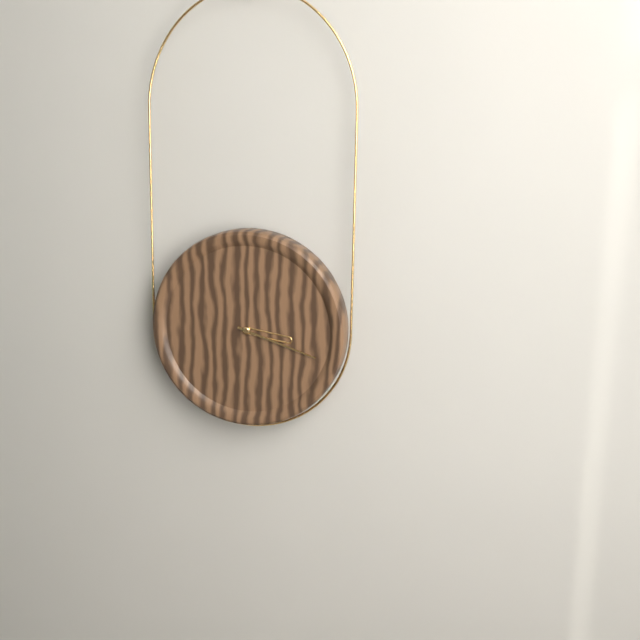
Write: 3h18
